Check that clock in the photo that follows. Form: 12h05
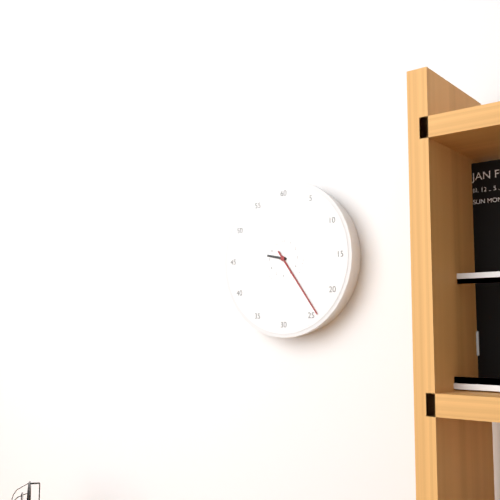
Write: 9h24
